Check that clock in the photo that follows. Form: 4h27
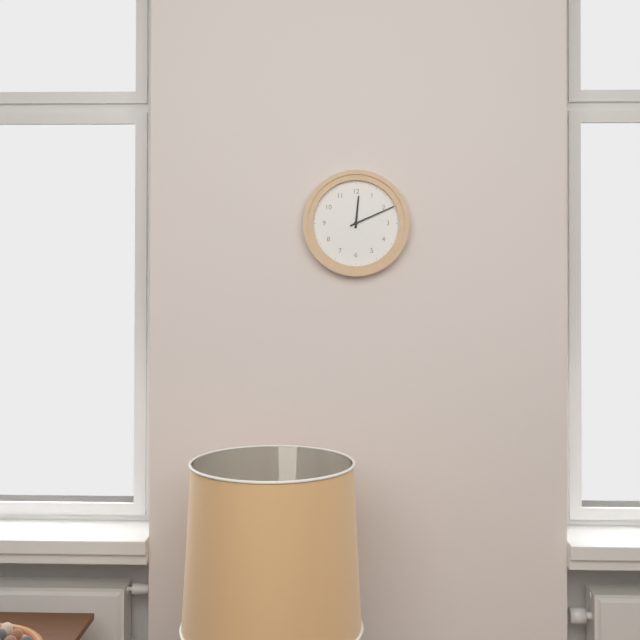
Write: 12h11
